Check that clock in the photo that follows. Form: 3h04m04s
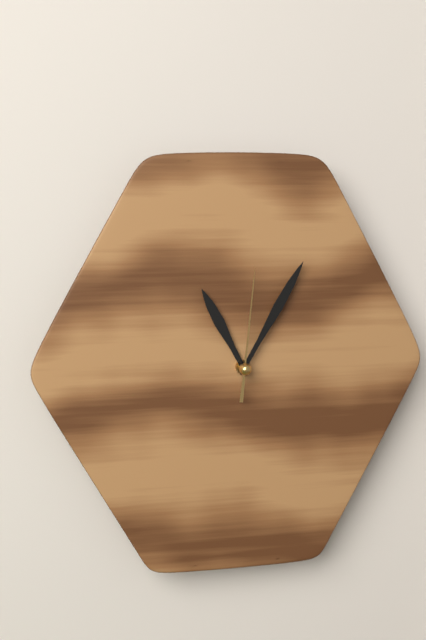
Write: 11h05m01s
